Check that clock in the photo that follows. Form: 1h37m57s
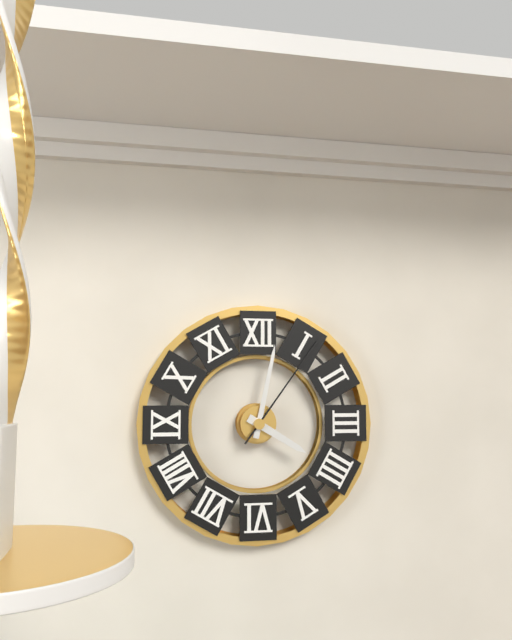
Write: 4h02m06s
